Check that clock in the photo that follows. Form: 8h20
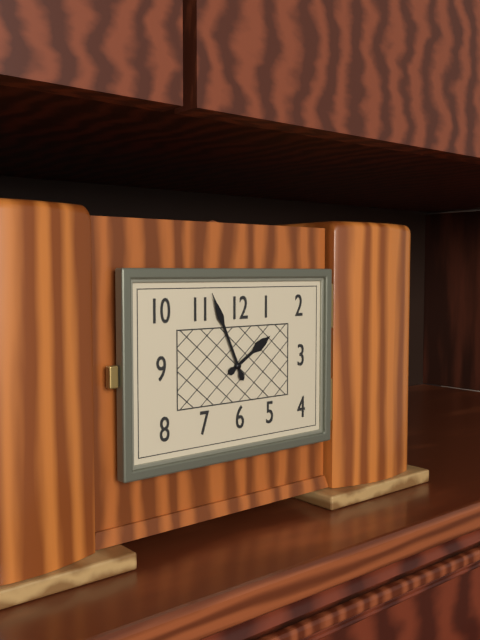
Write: 1h56
